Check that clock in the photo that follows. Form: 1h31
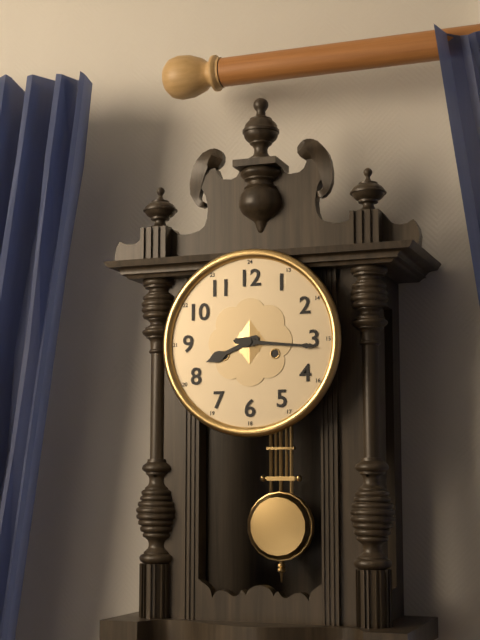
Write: 8h16
